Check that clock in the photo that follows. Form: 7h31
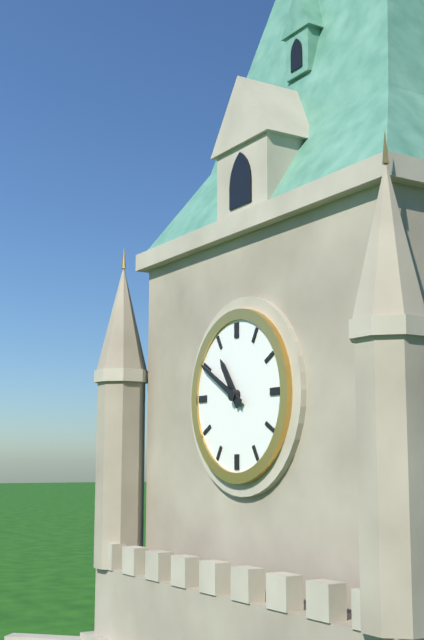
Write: 10h50
